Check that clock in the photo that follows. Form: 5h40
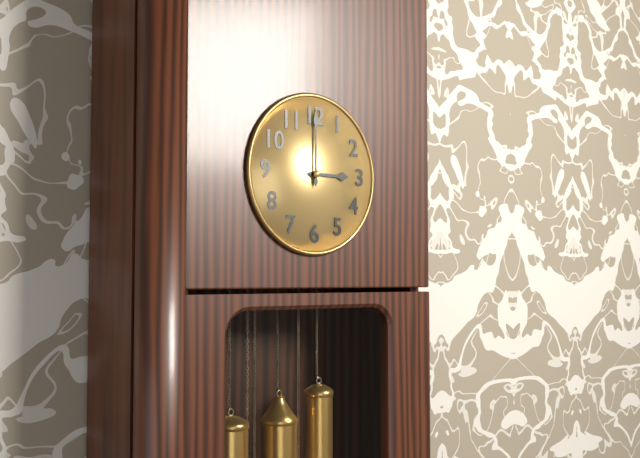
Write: 3h00
